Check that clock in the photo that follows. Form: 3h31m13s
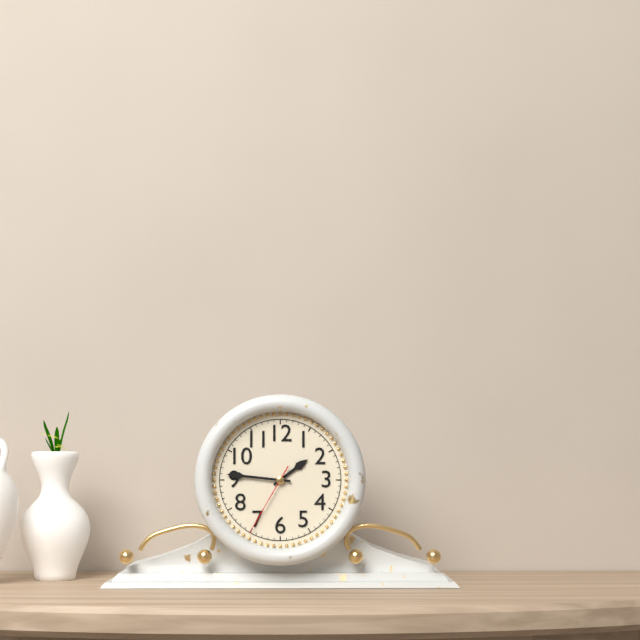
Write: 1h46m35s
